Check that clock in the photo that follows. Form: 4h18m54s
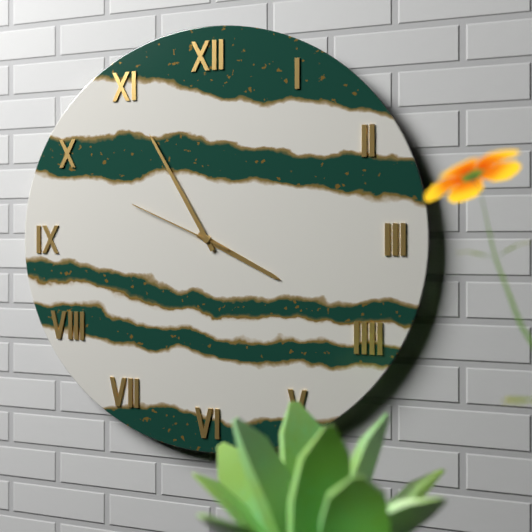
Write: 3h55m49s
